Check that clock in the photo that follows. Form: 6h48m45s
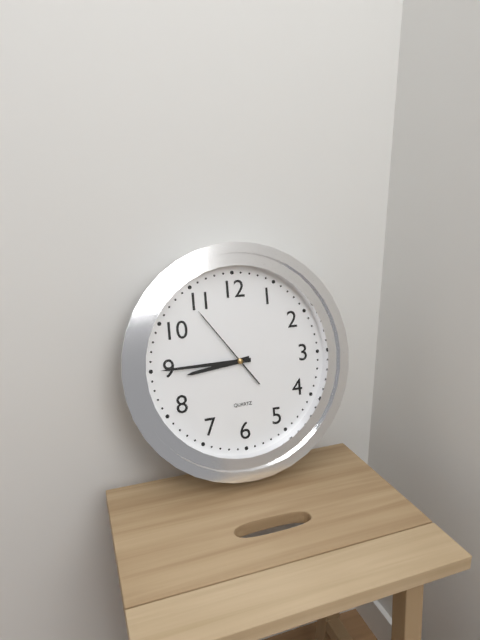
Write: 8h45m54s
